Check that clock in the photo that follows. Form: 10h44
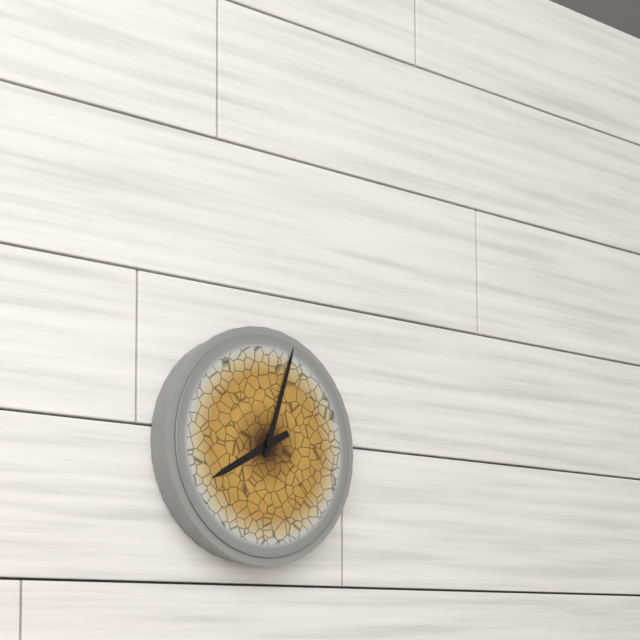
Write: 8h03
